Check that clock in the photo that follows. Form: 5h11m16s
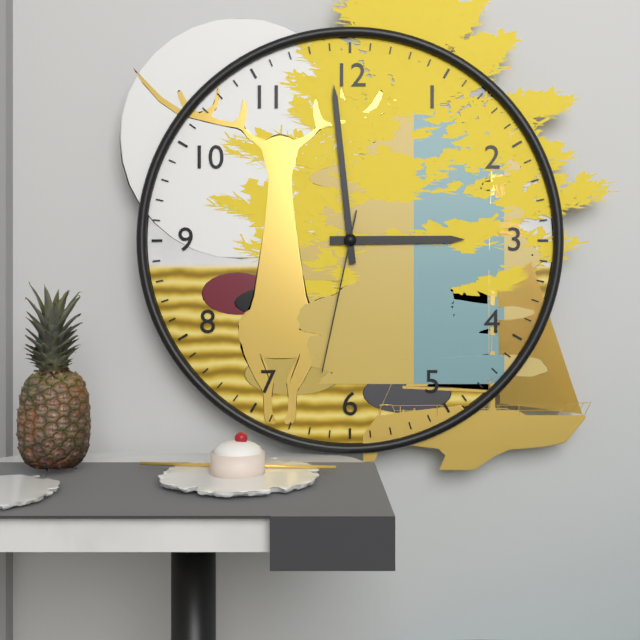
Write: 2h59m32s
